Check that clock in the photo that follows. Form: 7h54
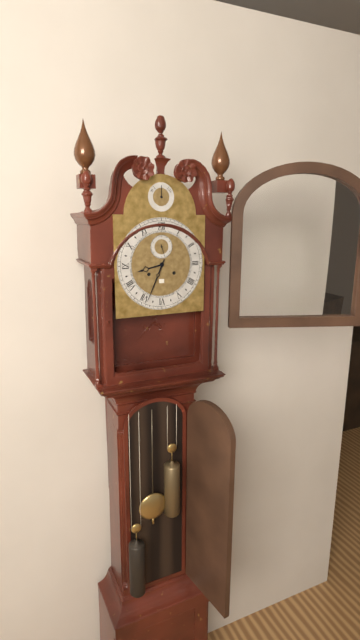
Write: 8h34
